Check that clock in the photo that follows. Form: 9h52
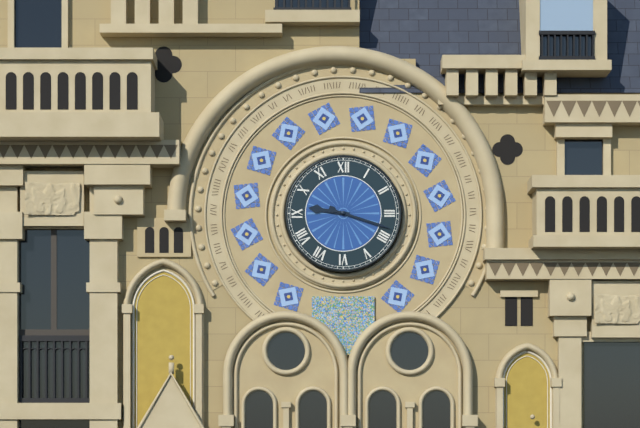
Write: 9h18
